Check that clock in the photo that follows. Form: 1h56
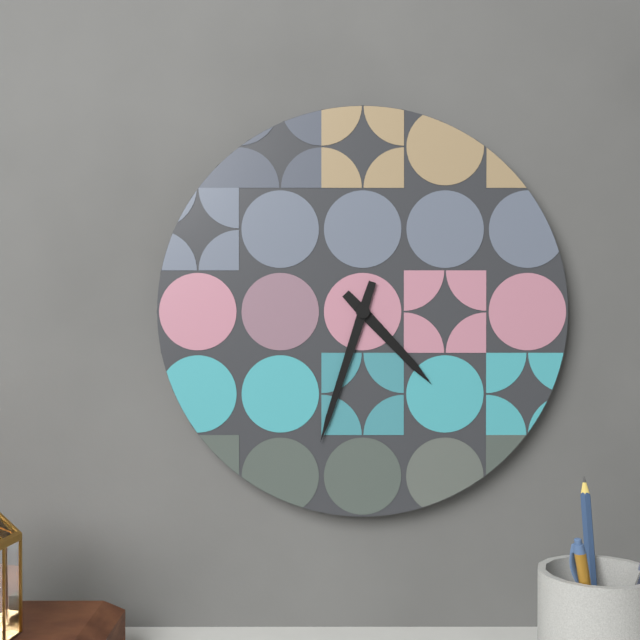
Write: 4h33
